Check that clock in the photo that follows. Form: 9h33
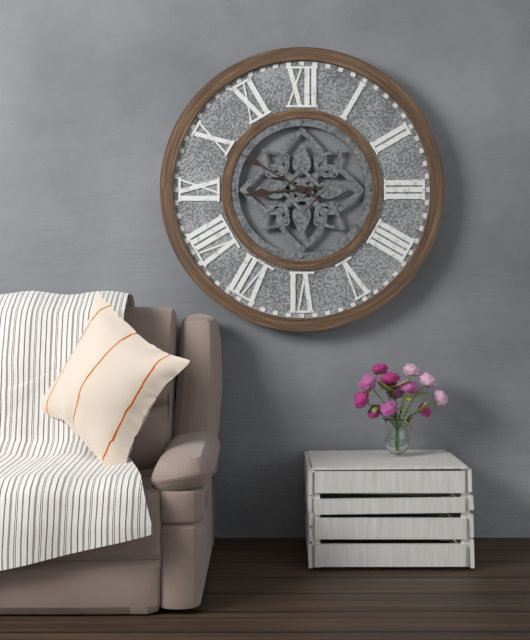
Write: 8h50
